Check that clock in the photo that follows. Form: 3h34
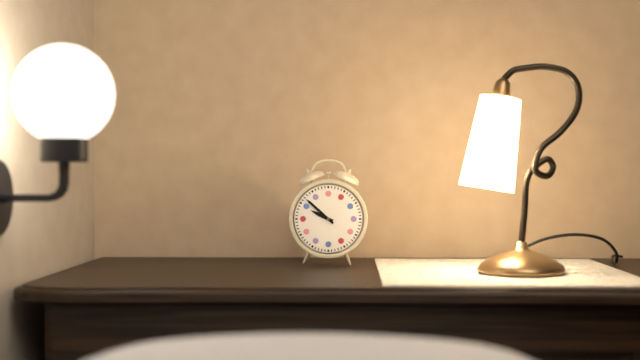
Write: 9h52
